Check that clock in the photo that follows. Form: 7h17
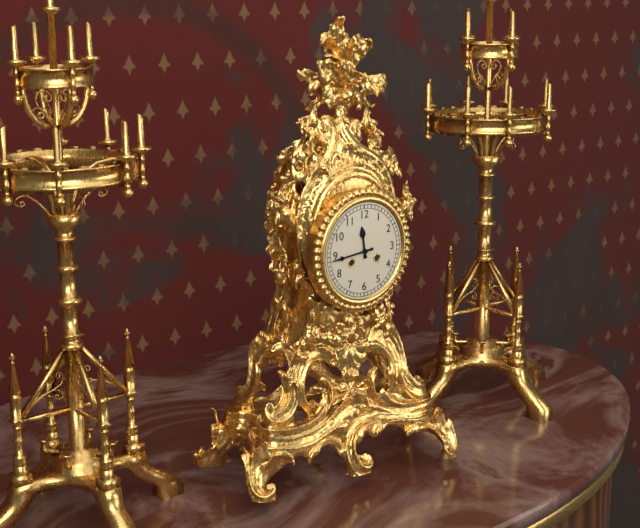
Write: 11h44
